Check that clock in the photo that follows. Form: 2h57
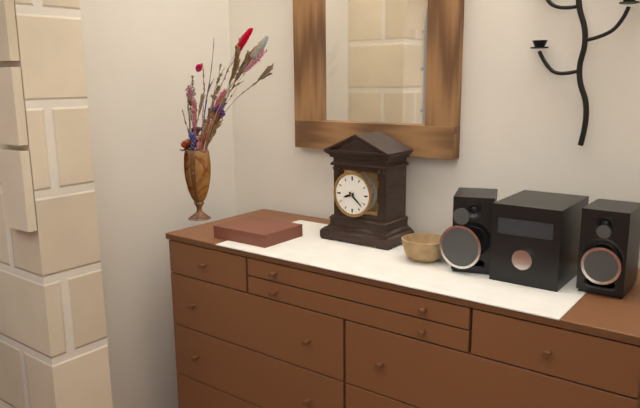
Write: 8h22
